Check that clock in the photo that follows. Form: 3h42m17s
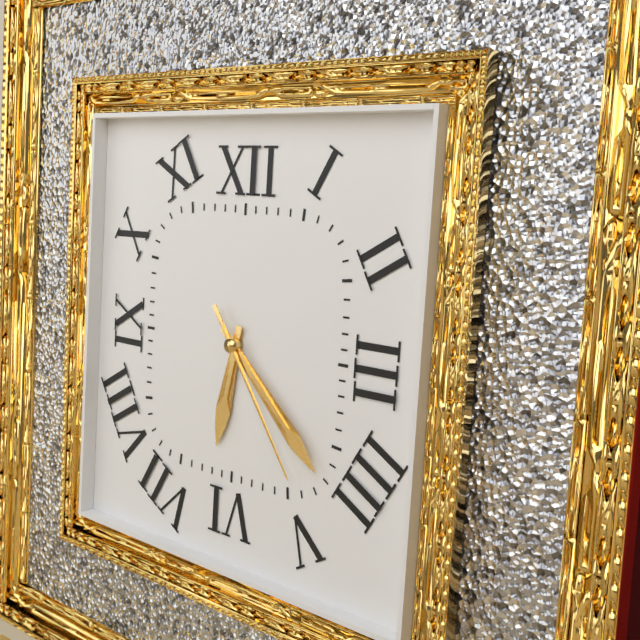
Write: 6h22m24s
